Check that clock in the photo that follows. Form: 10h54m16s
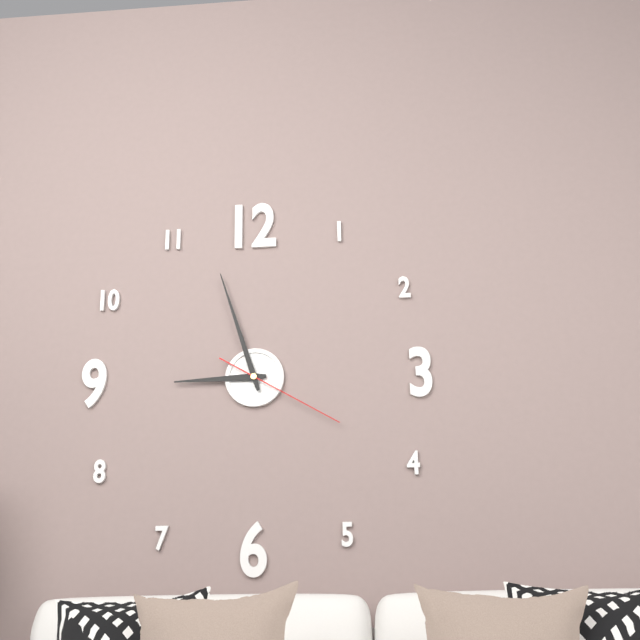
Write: 8h57m20s
